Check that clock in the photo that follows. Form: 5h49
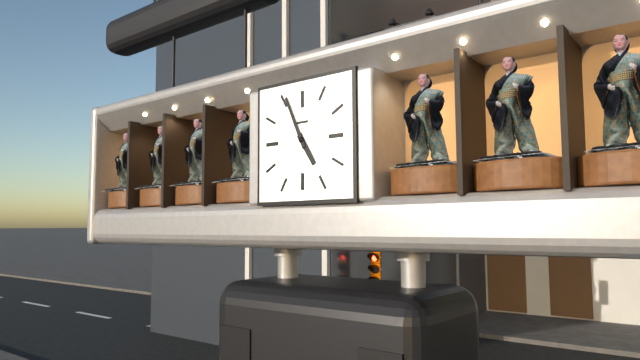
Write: 4h56
